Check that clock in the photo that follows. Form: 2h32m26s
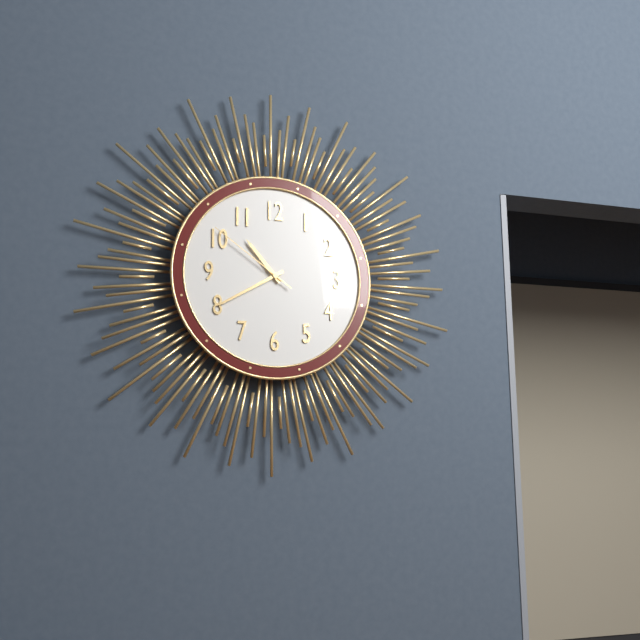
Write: 10h40m51s
